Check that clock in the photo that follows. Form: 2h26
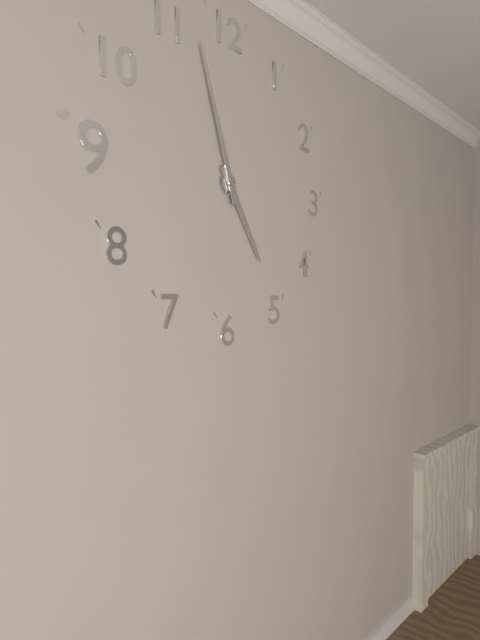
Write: 4h57
